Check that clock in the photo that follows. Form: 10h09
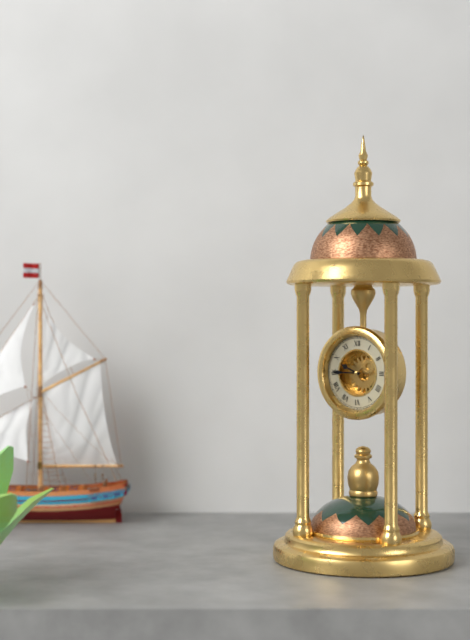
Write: 9h45
